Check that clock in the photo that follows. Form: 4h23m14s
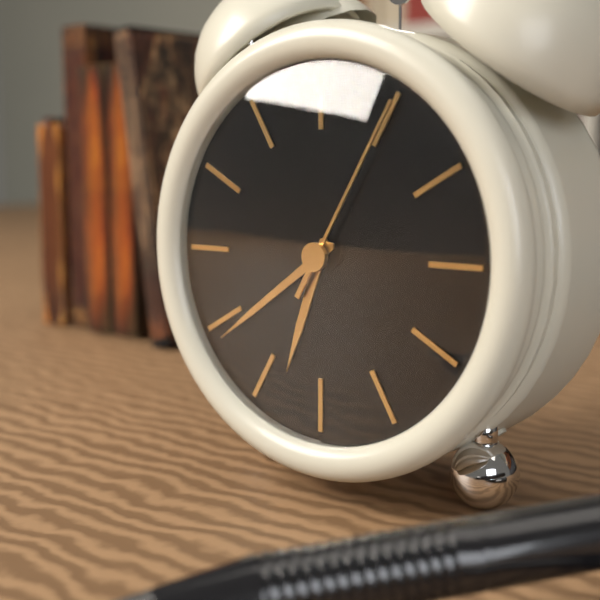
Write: 6h39m05s
